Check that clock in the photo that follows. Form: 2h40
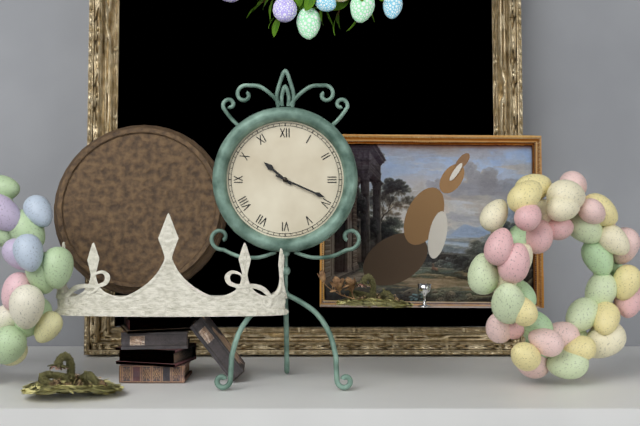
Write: 10h19
